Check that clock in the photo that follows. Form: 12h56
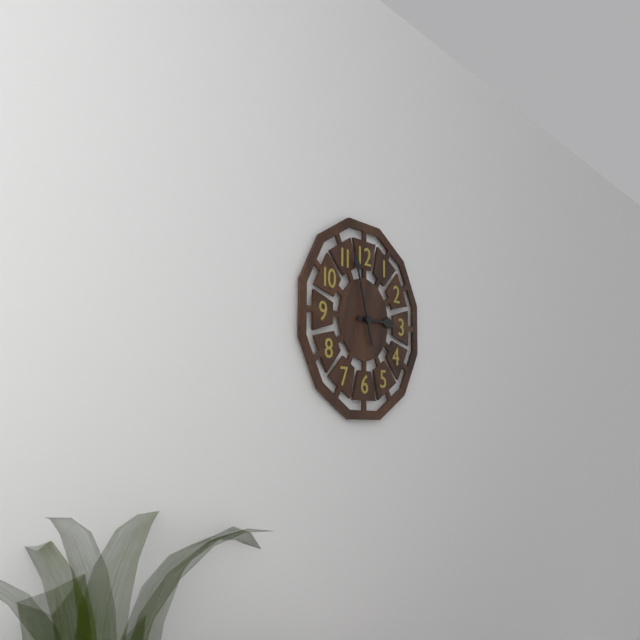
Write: 2h57
